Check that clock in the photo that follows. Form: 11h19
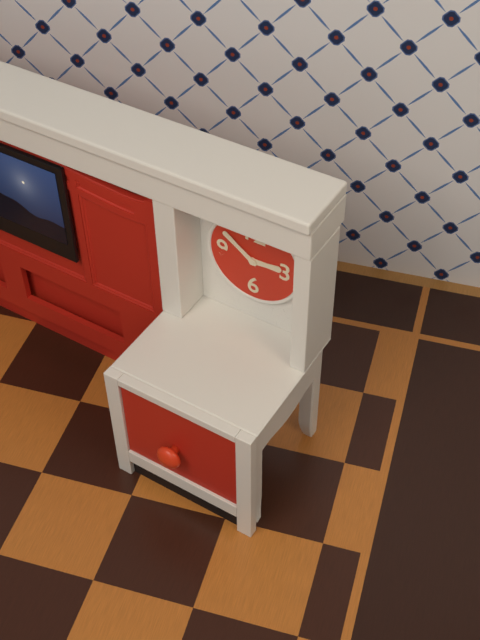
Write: 2h51
